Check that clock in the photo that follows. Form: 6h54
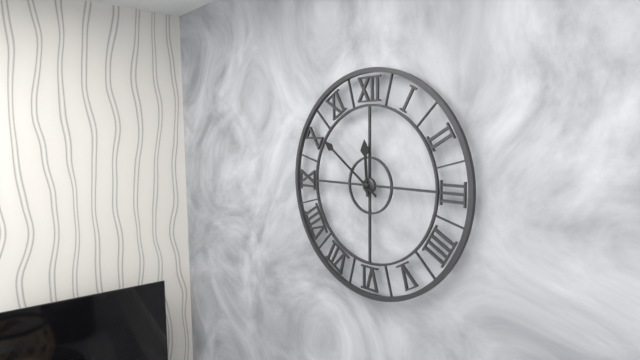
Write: 11h51
